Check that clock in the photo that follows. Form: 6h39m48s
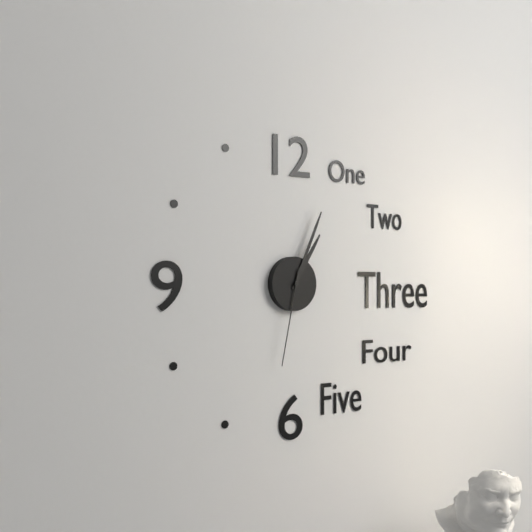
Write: 1h04m32s
